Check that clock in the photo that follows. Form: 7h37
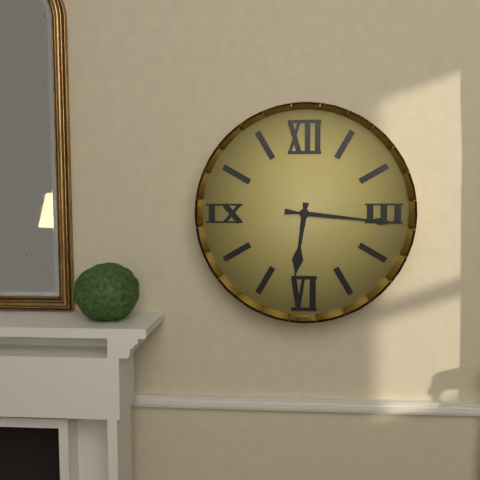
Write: 6h16
